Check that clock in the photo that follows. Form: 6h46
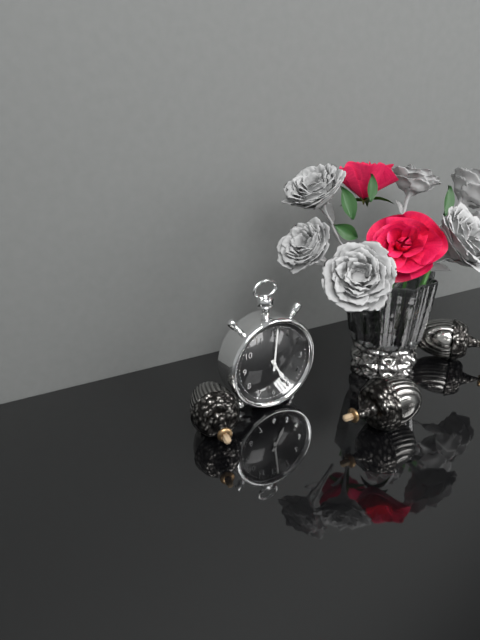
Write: 5h01
